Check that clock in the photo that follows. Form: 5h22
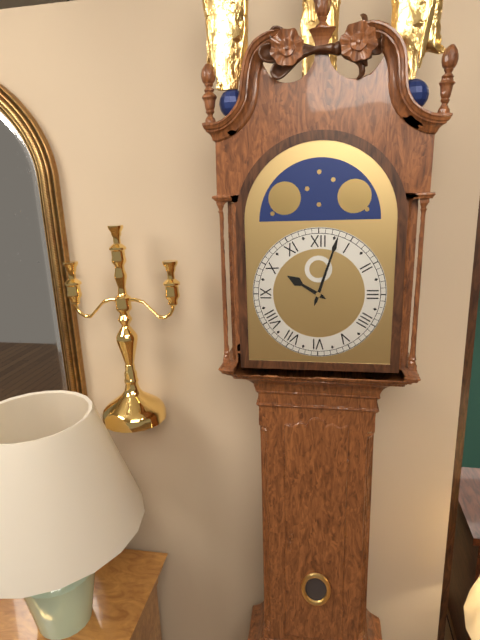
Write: 10h03
